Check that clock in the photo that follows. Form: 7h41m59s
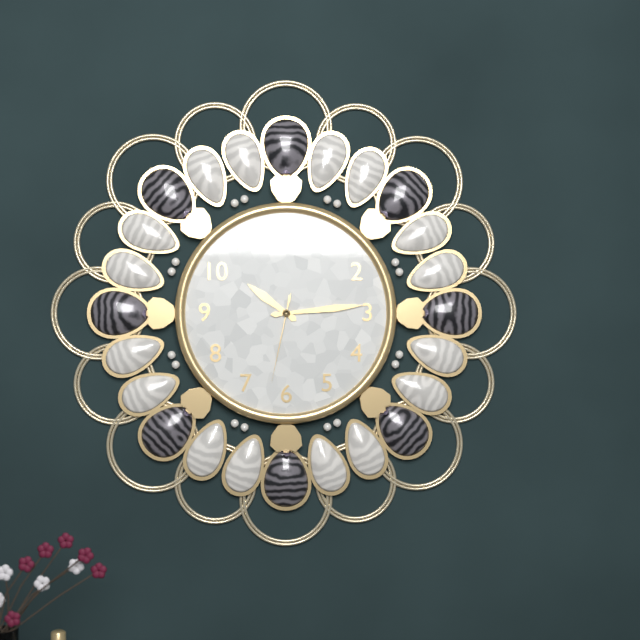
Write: 10h14m32s
